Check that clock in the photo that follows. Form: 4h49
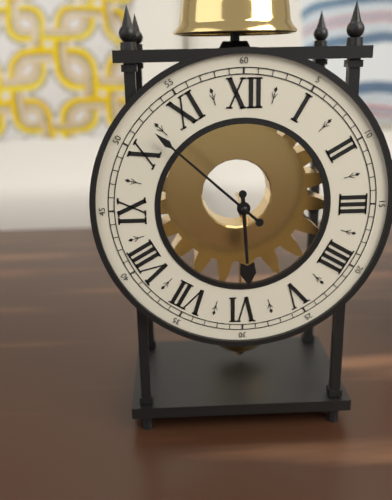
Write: 5h52
